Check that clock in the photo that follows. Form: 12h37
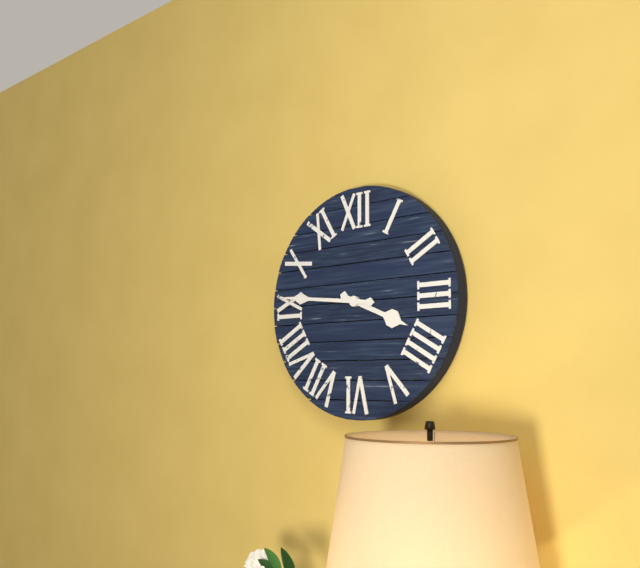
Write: 3h46
